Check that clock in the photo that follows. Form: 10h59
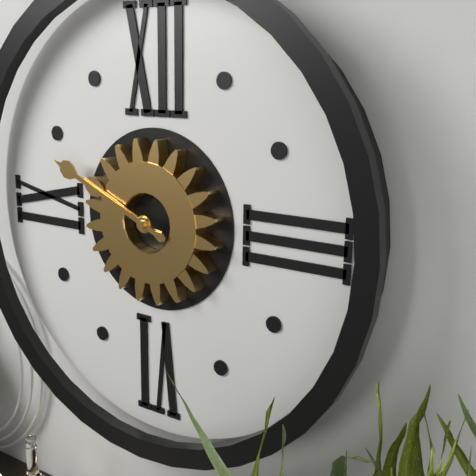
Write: 9h49
